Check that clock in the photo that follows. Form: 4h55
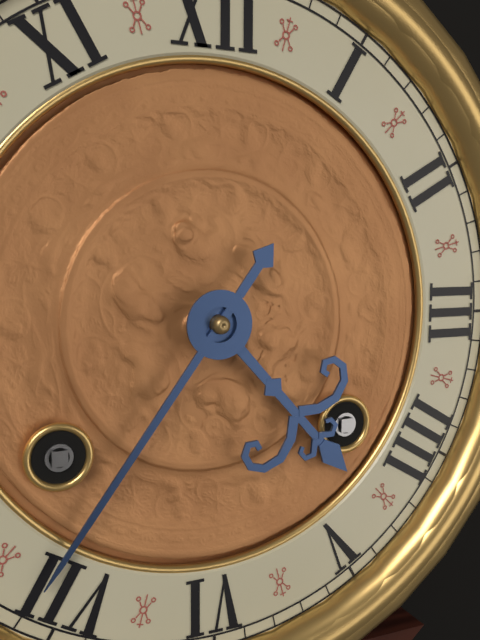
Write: 4h36
